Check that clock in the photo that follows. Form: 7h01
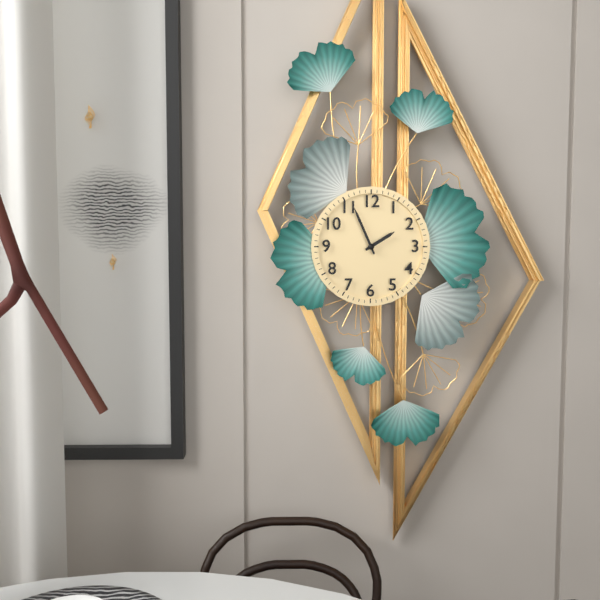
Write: 1h56
